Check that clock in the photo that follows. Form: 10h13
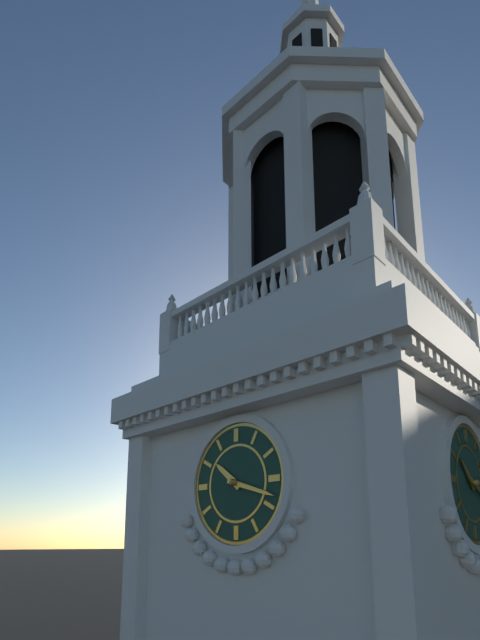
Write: 10h18
